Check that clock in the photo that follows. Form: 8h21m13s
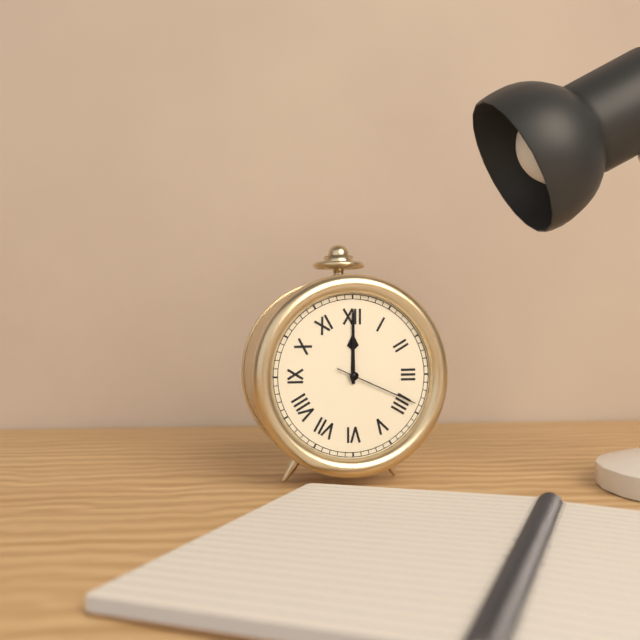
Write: 12h00m19s
